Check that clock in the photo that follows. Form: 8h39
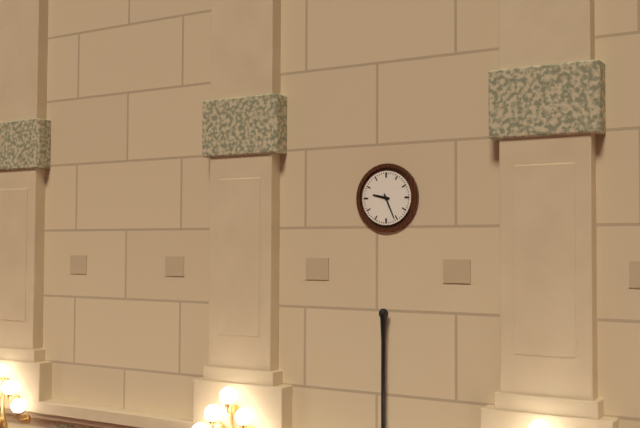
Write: 9h26
